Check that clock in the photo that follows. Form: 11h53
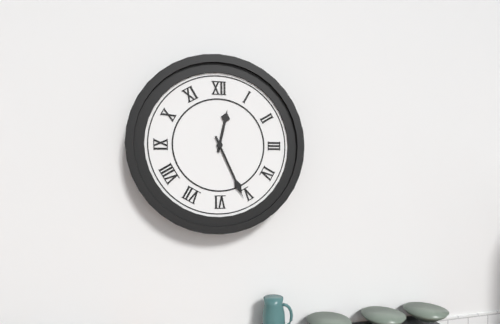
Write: 12h26
